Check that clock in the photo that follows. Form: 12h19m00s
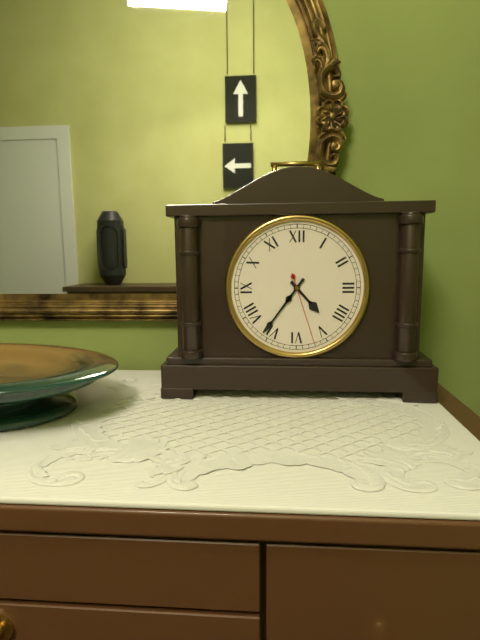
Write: 4h36m27s
